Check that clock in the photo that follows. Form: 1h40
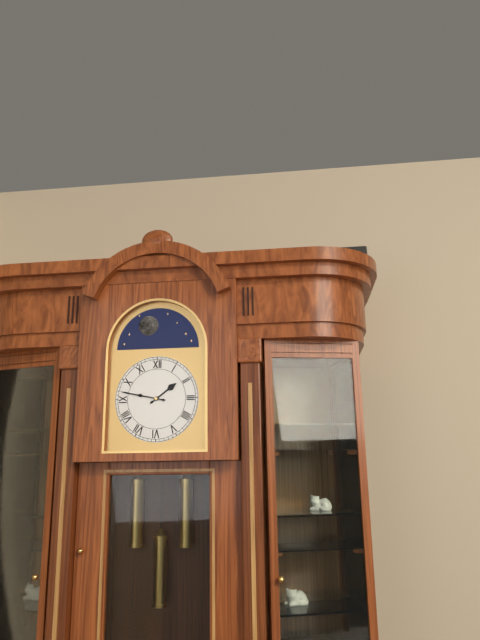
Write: 1h47
